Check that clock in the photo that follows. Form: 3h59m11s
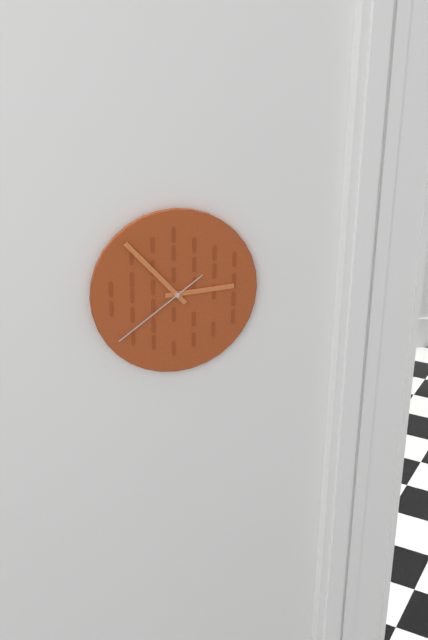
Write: 2h53m39s
